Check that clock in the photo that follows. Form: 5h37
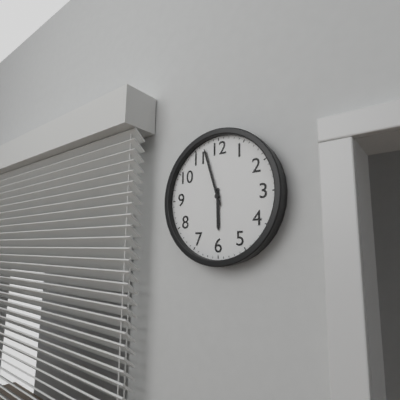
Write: 5h57
